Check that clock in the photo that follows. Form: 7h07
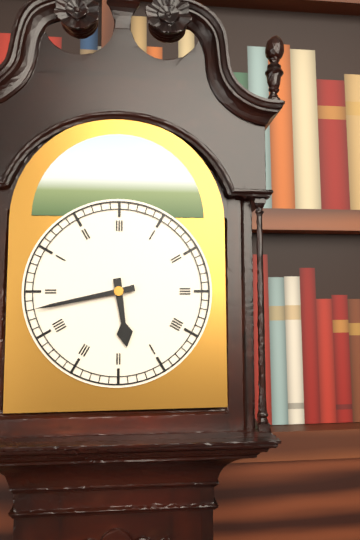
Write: 5h43
